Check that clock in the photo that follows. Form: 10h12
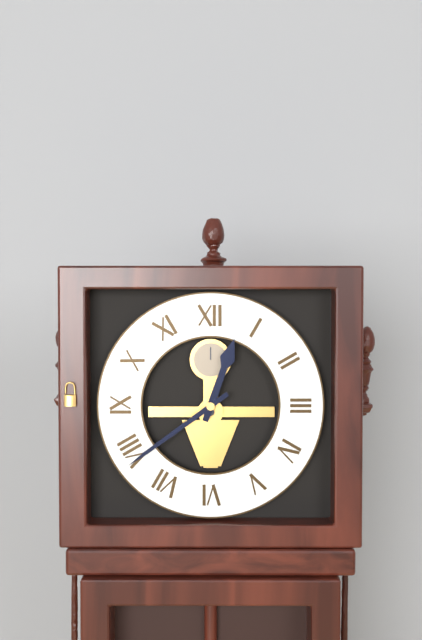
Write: 12h39
